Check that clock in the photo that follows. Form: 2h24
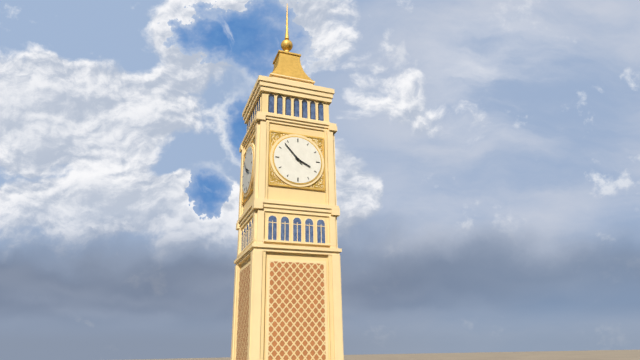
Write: 3h53
